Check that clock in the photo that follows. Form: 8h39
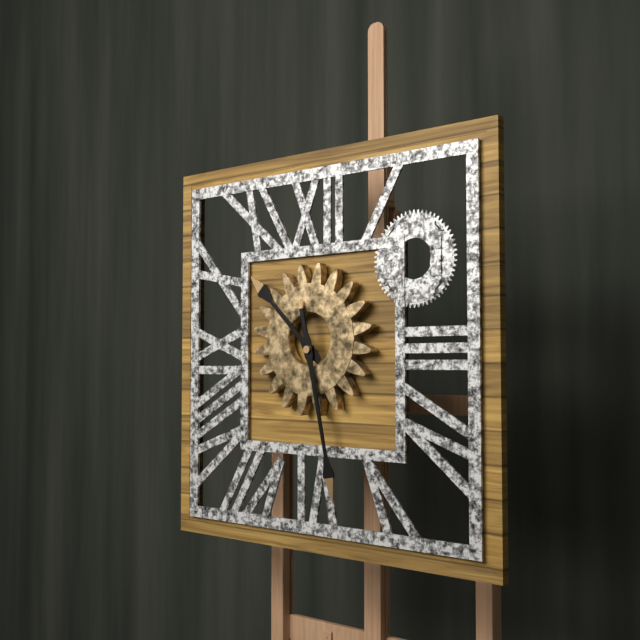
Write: 10h28
